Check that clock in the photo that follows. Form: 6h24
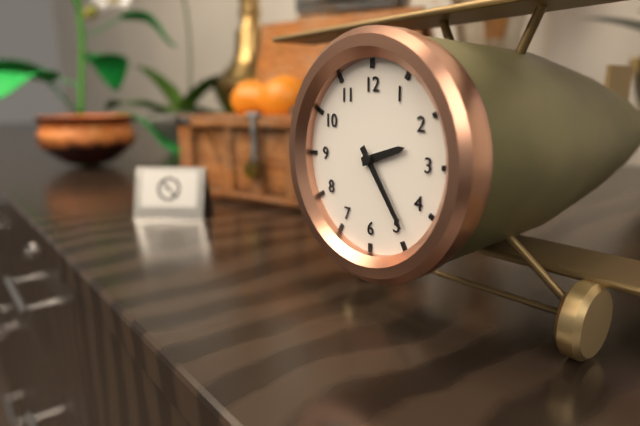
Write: 2h24
